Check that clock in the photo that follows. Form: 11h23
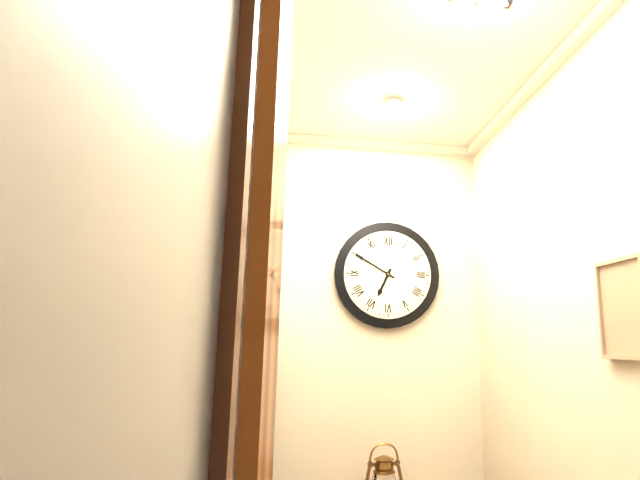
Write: 6h50
